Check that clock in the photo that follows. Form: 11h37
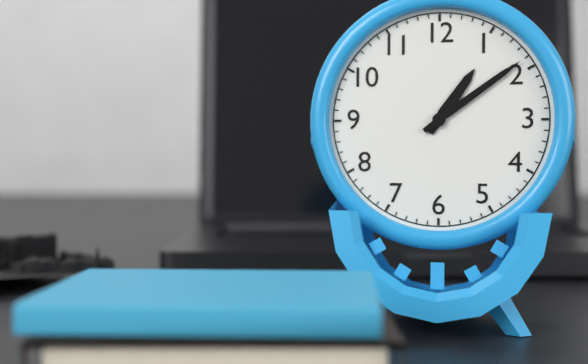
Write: 1h09
